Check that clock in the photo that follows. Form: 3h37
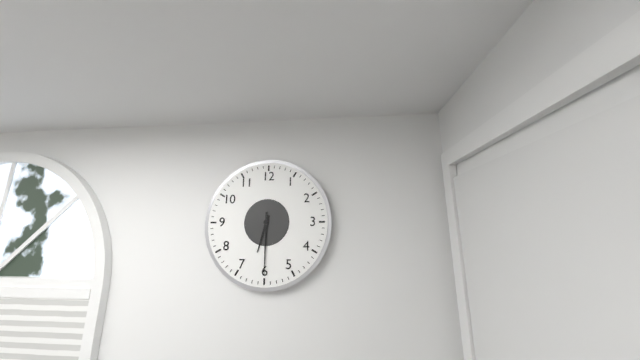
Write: 6h30
